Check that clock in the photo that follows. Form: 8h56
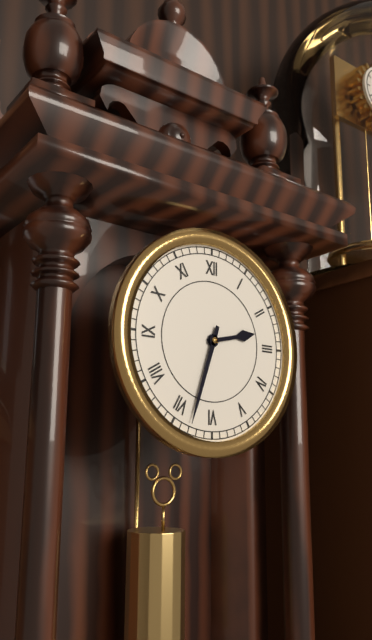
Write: 2h33
